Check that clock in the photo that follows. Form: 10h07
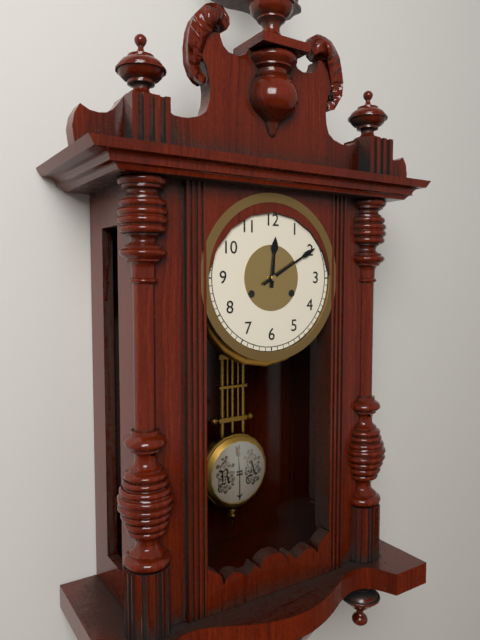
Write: 12h10
